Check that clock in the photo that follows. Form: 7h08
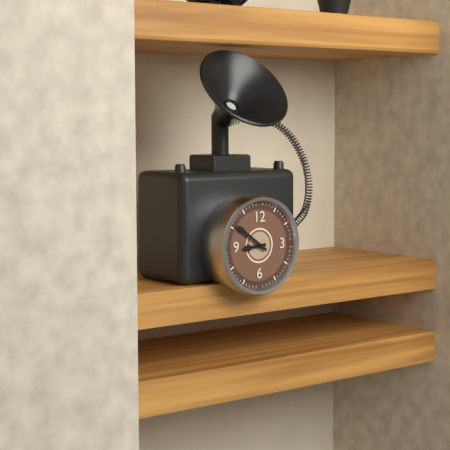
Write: 8h51
